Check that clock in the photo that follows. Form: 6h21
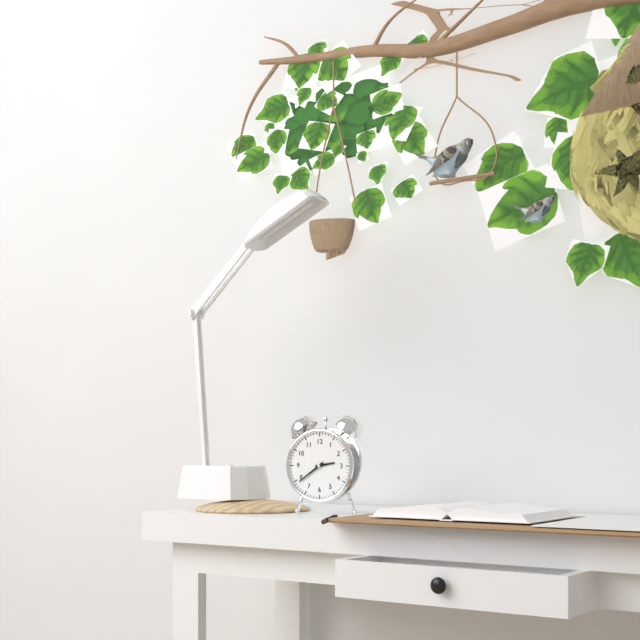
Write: 2h39
